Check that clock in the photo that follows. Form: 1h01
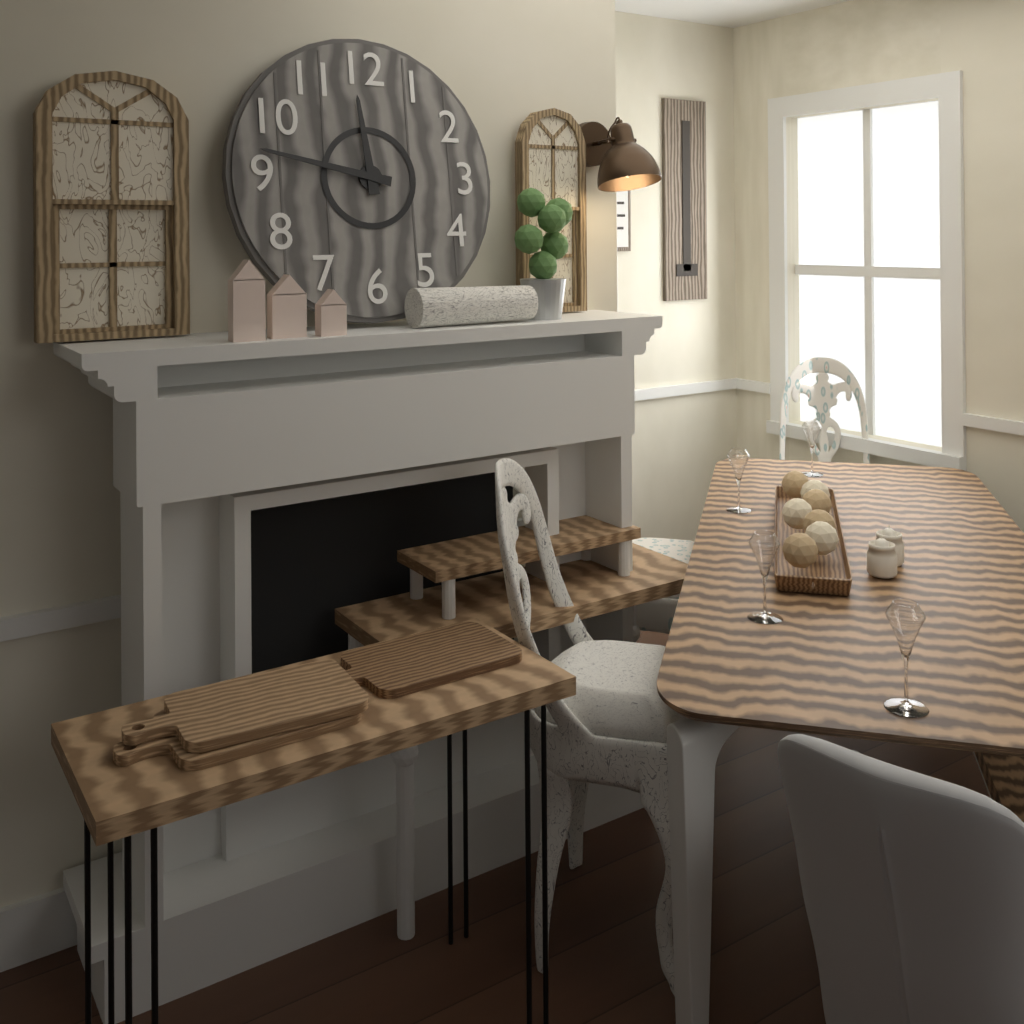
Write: 11h47
